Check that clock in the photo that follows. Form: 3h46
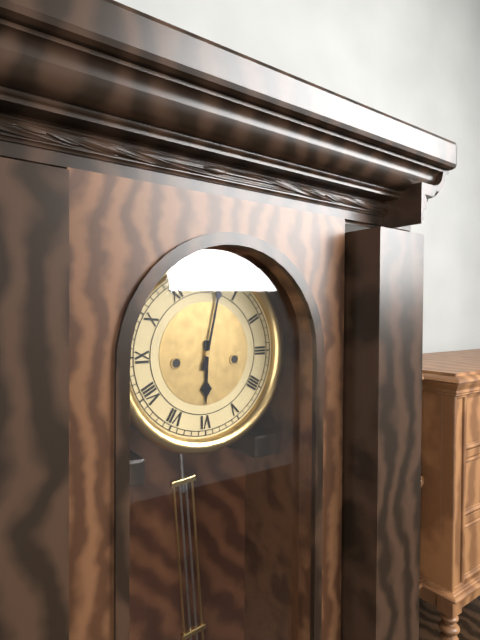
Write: 6h02
